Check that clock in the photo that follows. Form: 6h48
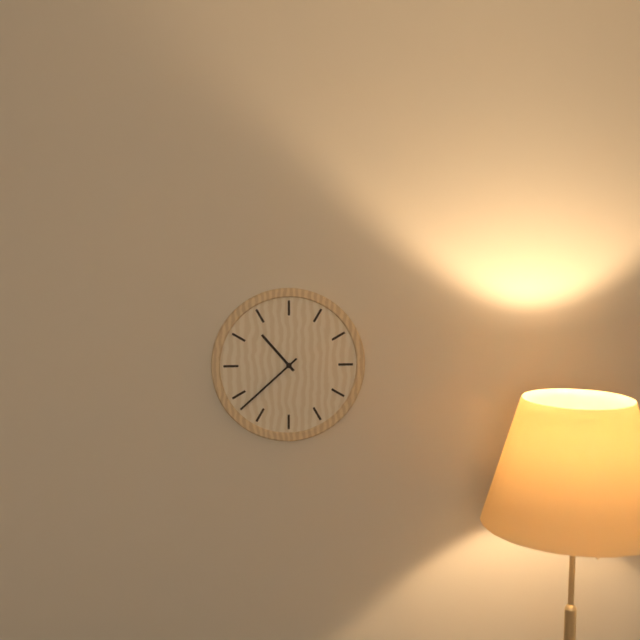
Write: 10h38
